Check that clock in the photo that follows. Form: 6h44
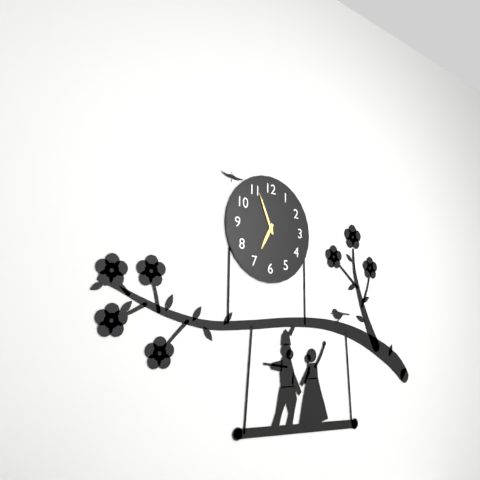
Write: 6h56
